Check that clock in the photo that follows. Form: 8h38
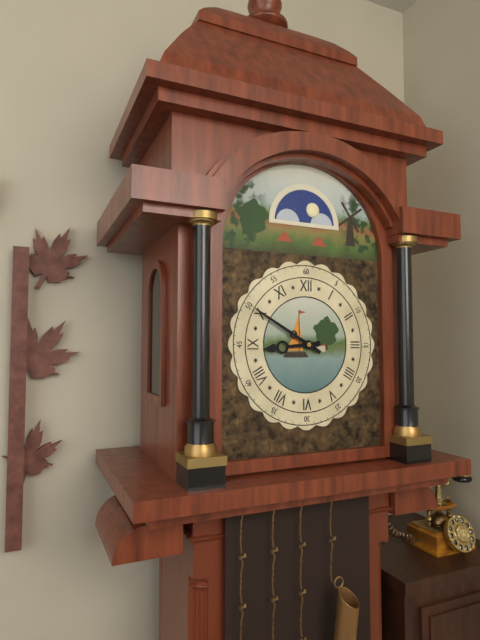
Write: 8h50
